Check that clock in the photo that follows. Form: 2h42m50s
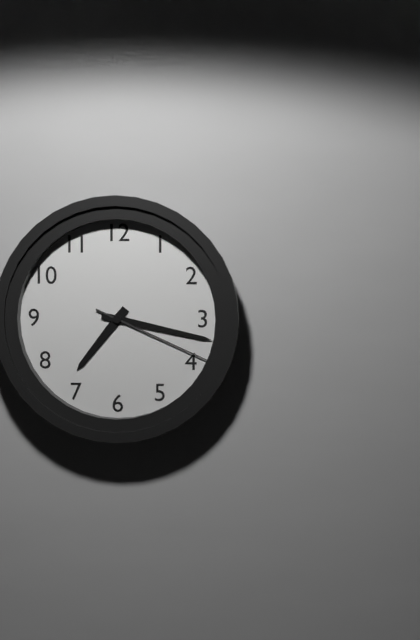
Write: 7h17m19s
